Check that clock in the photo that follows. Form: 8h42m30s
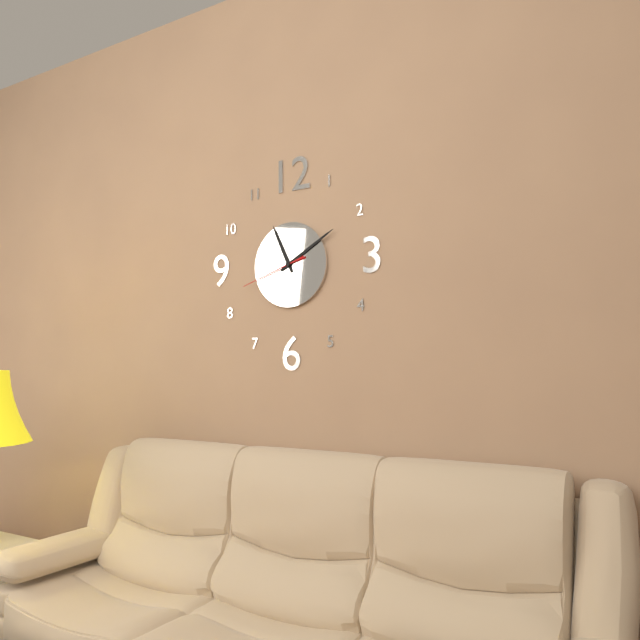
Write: 11h10m42s
